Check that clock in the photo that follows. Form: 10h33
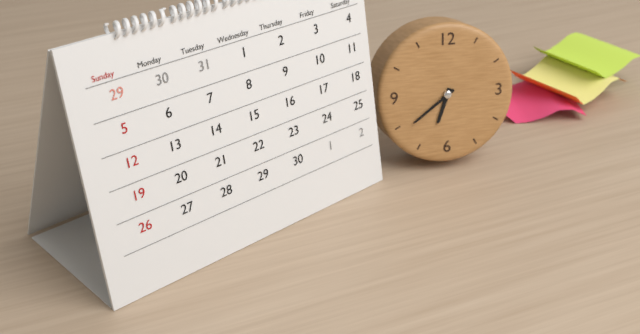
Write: 6h39
